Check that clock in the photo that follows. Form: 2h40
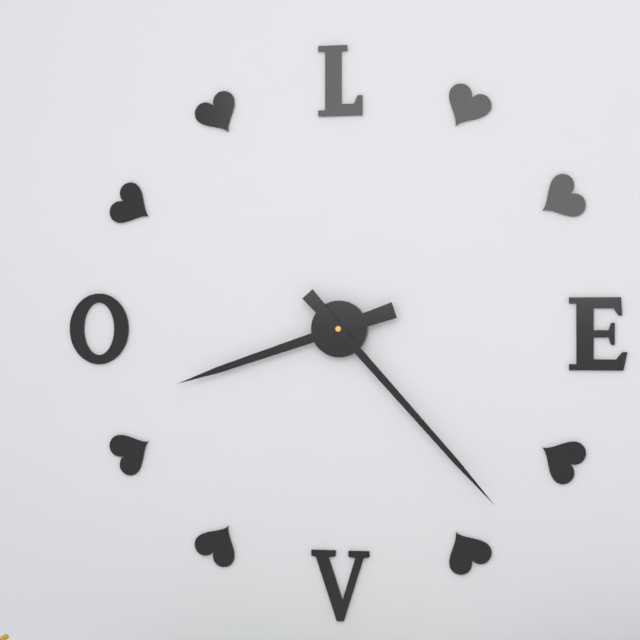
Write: 8h23
